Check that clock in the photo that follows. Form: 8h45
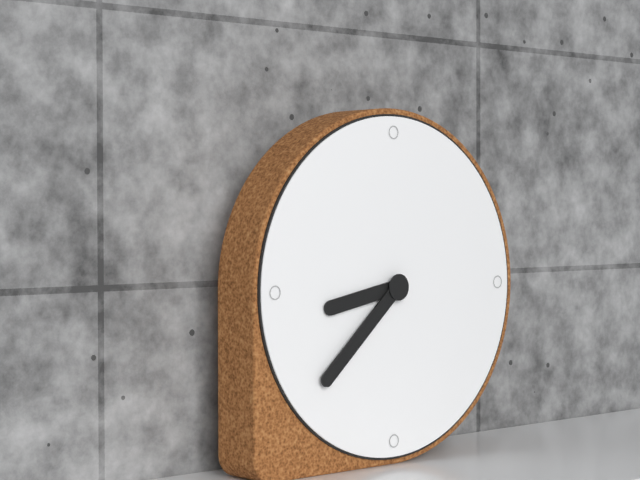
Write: 8h38
